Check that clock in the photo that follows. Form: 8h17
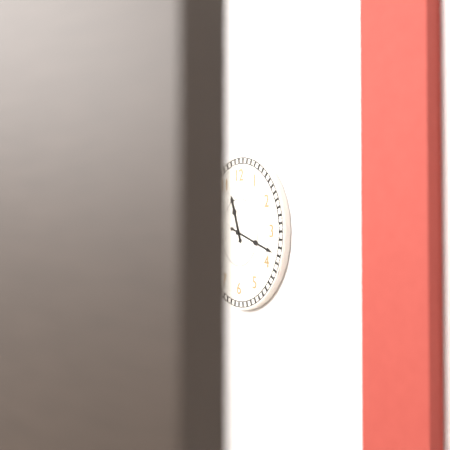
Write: 11h18
